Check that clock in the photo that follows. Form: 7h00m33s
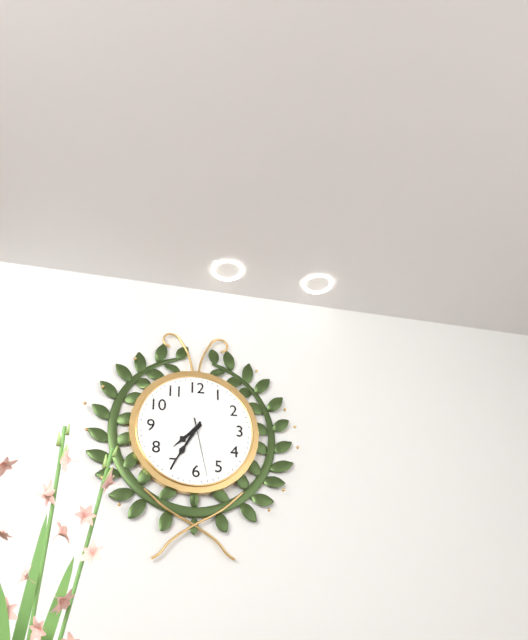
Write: 7h35m28s
